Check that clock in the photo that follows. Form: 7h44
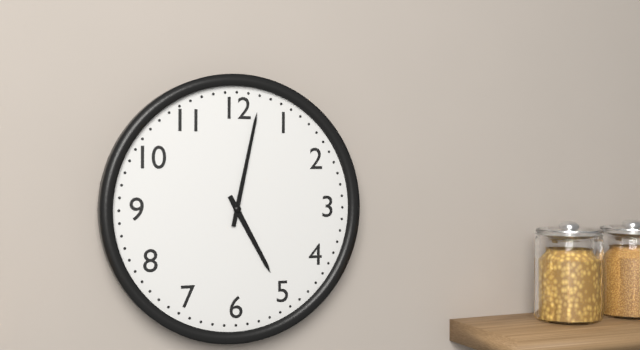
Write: 5h02
